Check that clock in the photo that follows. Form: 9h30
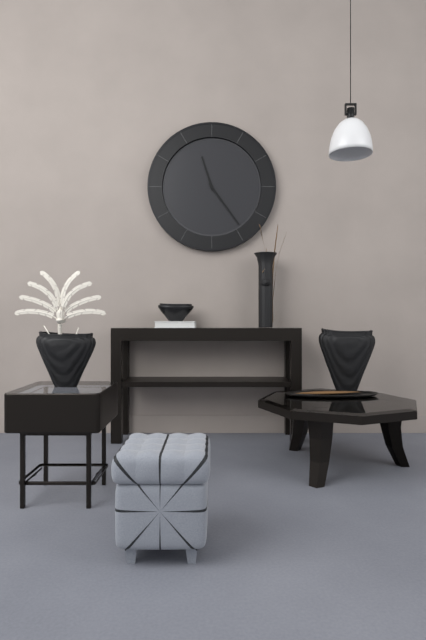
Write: 11h24
